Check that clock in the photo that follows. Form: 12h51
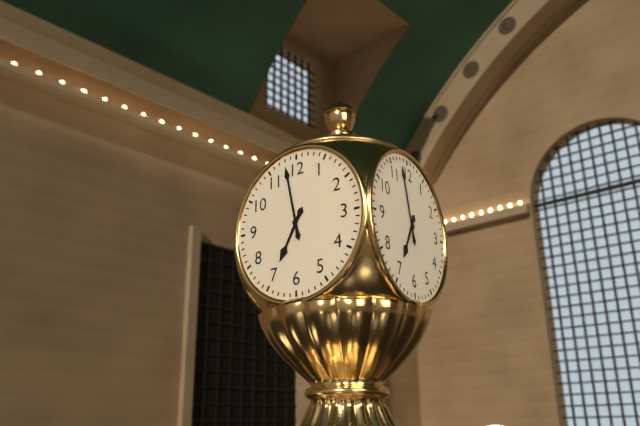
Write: 6h58
